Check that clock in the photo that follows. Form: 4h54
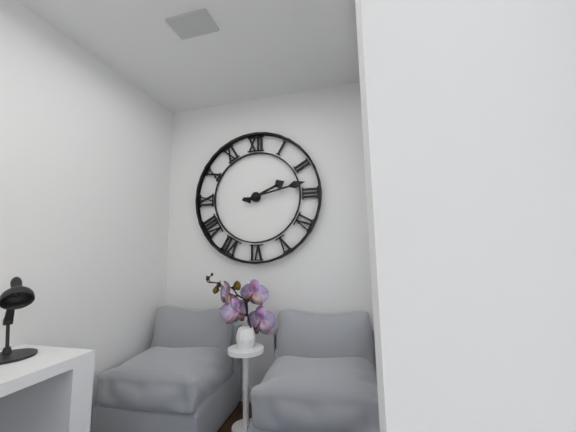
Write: 2h13
